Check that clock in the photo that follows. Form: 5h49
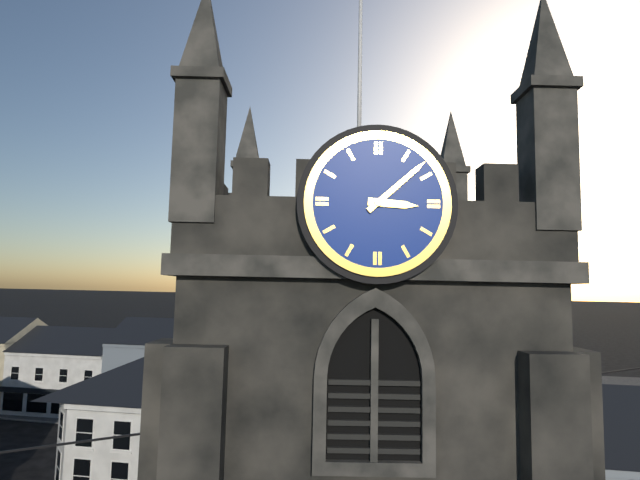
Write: 3h08
